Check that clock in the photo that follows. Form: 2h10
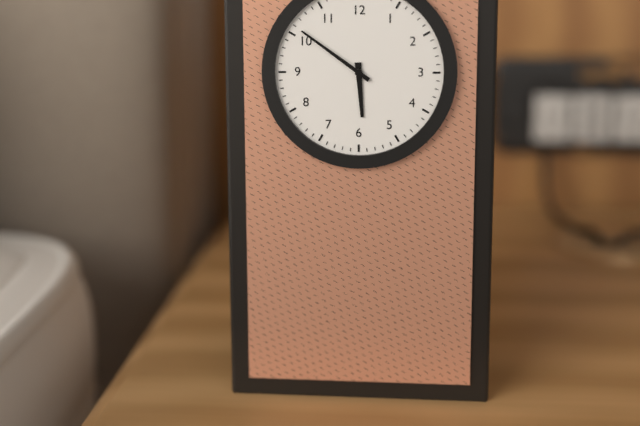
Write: 5h51
